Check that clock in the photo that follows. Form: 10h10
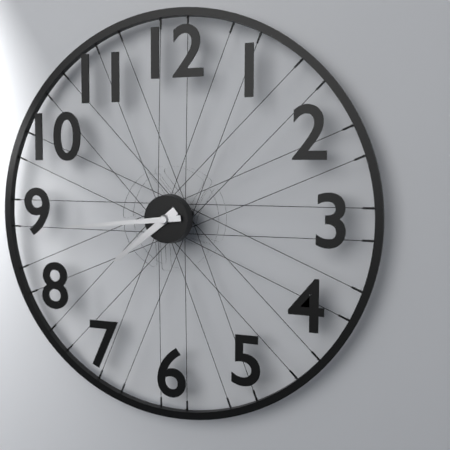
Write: 7h44
